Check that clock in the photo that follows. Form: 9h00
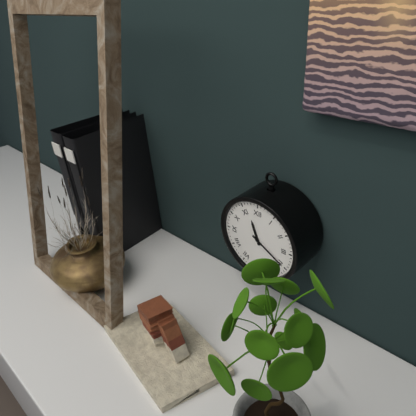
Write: 11h20
